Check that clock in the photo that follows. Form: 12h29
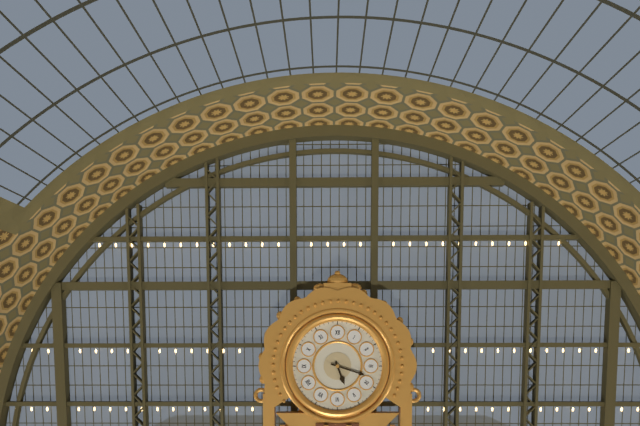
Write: 5h18
